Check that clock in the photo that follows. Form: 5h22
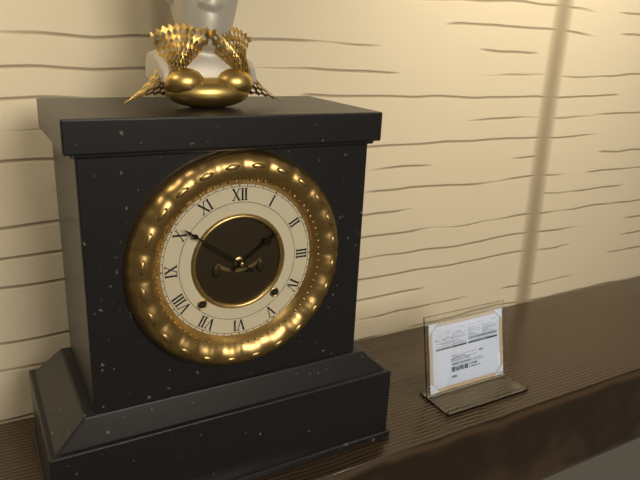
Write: 1h51
